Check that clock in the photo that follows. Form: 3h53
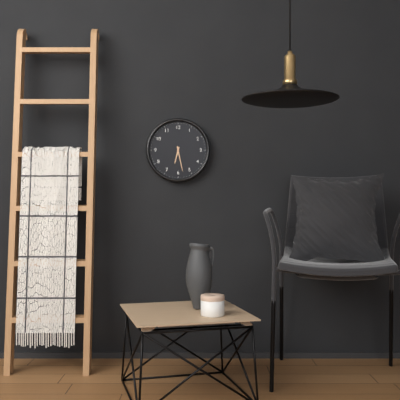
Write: 6h28
